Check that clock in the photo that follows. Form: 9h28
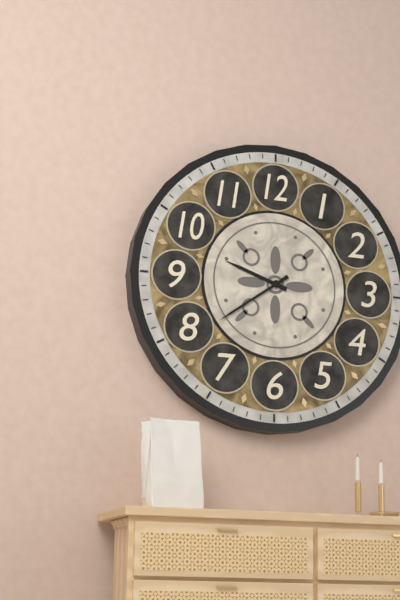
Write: 9h39
